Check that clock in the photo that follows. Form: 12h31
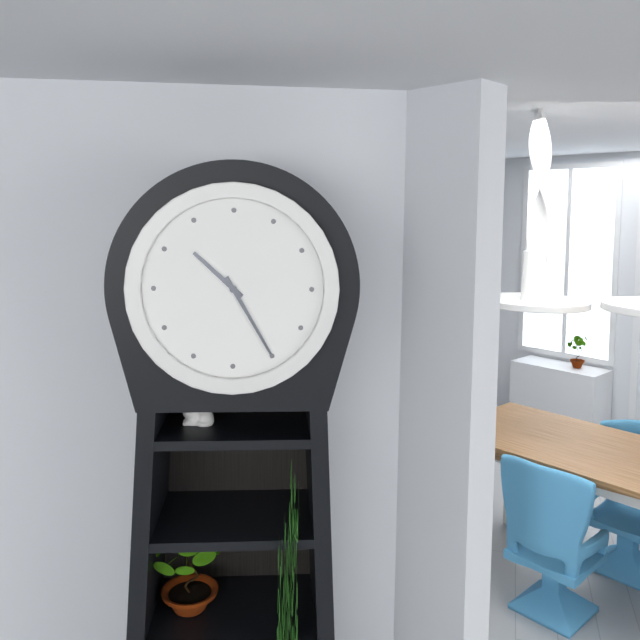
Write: 10h25
